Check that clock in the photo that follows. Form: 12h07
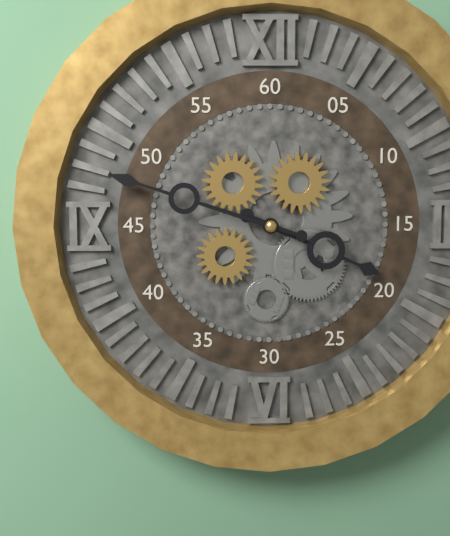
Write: 3h48
